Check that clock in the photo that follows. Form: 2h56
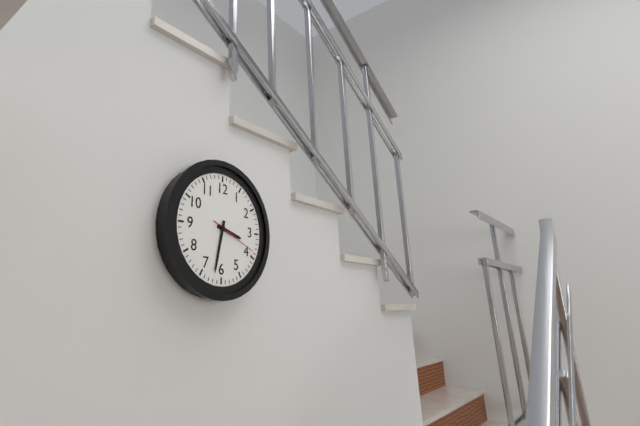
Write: 3h32
